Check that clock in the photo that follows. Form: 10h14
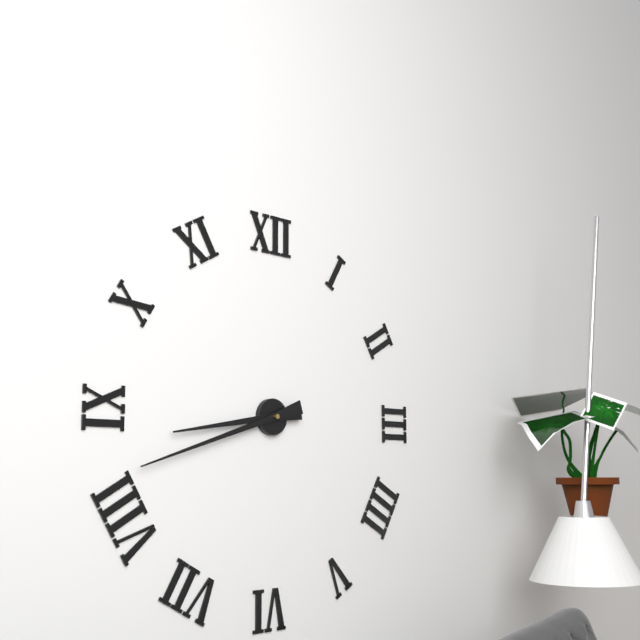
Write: 8h42
